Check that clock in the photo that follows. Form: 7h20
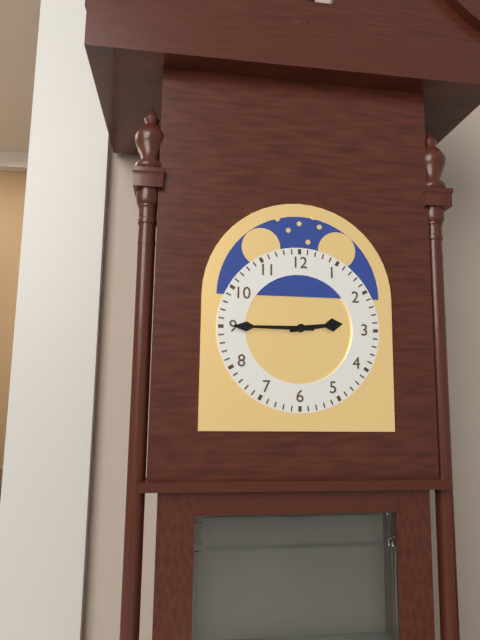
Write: 2h45
